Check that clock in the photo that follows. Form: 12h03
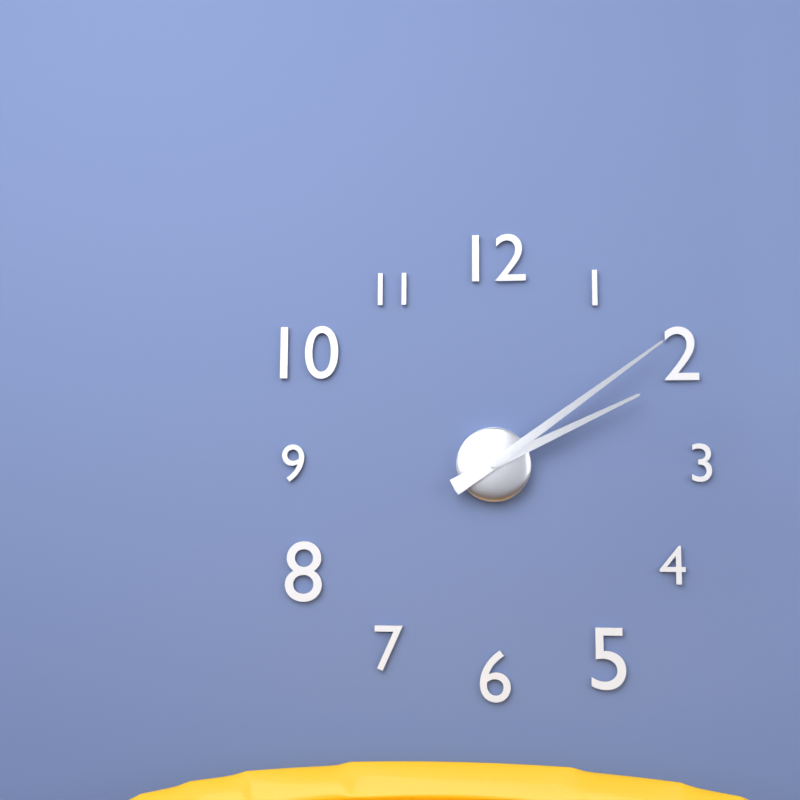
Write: 2h09
